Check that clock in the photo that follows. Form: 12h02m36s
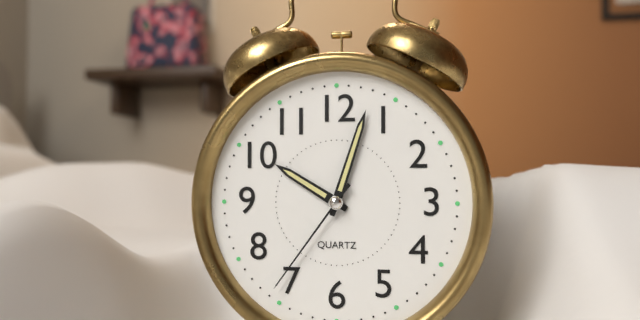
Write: 10h03m36s
